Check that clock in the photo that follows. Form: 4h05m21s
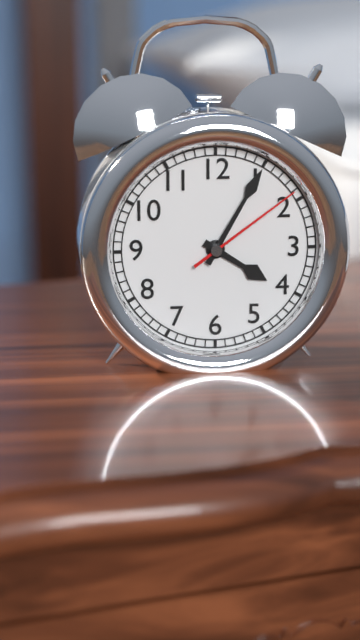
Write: 4h05m09s
